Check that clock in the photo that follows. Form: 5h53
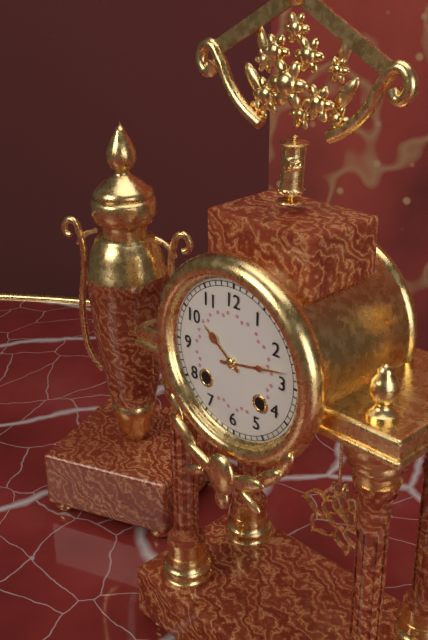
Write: 10h13
